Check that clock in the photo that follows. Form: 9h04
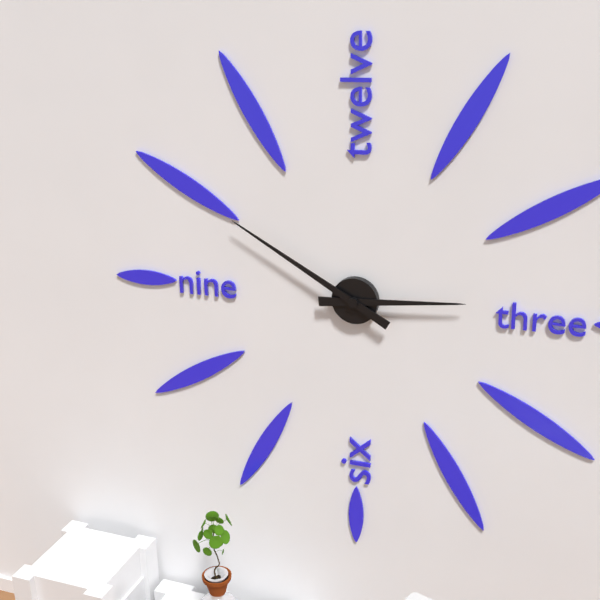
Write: 2h50
